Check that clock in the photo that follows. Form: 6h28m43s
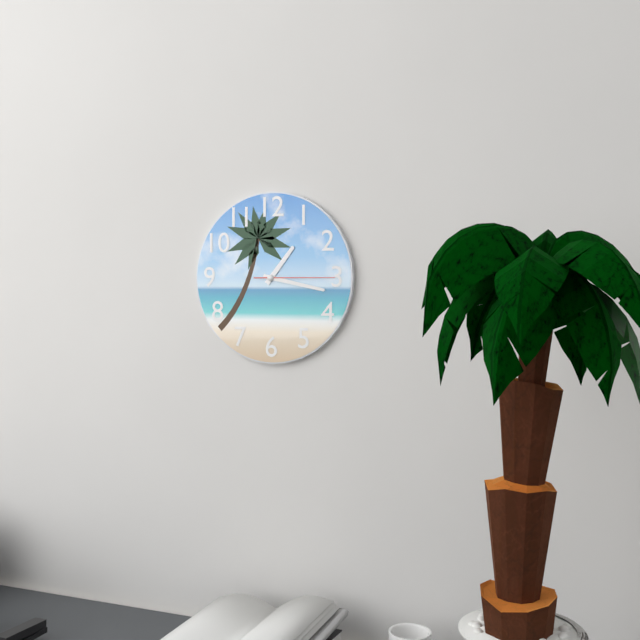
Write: 1h17m15s
